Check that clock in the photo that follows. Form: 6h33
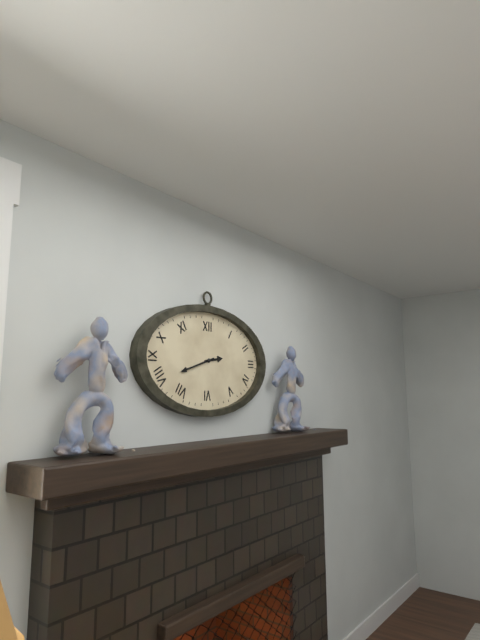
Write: 2h42
